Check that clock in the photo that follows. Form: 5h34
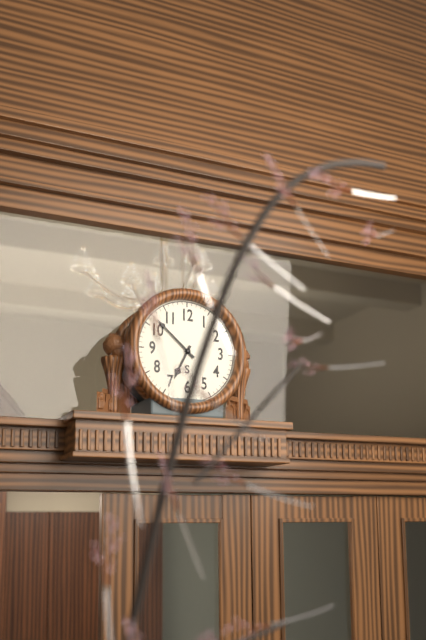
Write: 6h52
